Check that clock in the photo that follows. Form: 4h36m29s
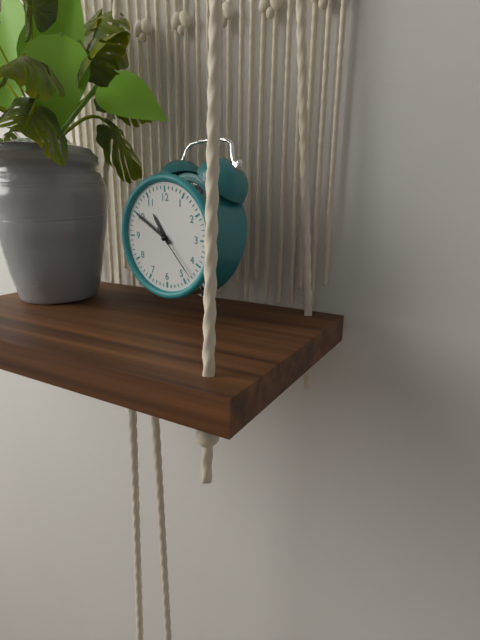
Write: 10h50m23s
